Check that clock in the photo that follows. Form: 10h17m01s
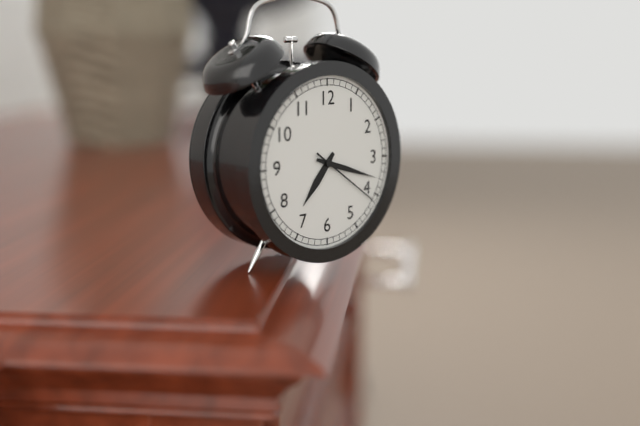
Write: 7h18m21s
